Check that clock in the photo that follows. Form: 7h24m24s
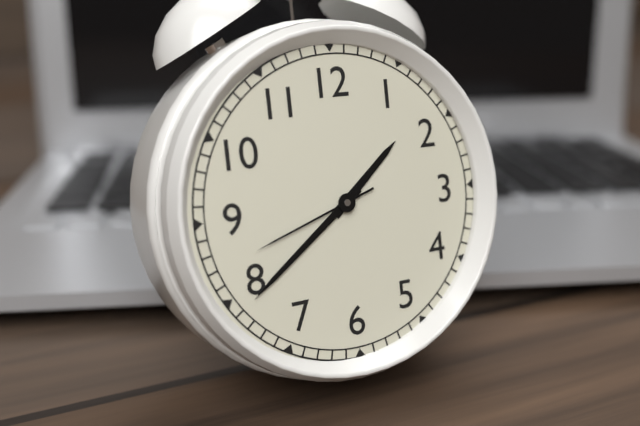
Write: 1h39m42s
